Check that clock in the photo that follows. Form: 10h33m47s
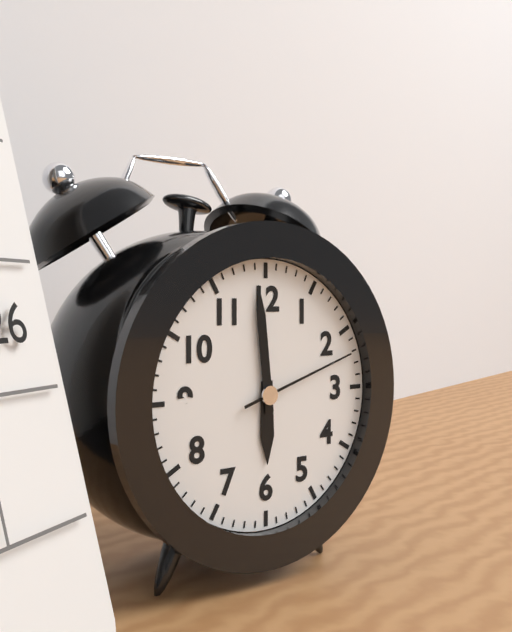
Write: 5h59m12s
